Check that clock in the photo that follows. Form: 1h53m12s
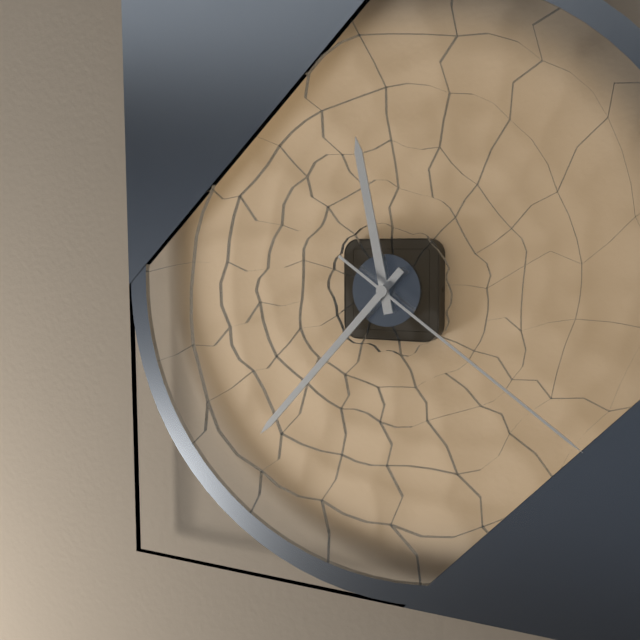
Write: 11h37m21s
